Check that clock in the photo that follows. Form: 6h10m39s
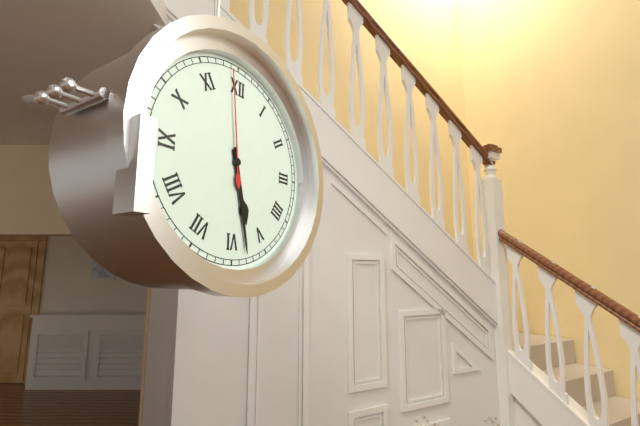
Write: 5h28m59s
